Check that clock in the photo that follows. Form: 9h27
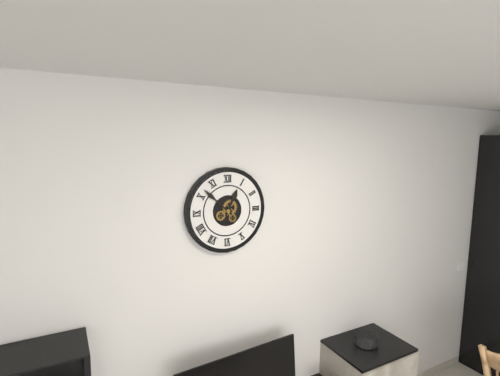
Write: 12h52
